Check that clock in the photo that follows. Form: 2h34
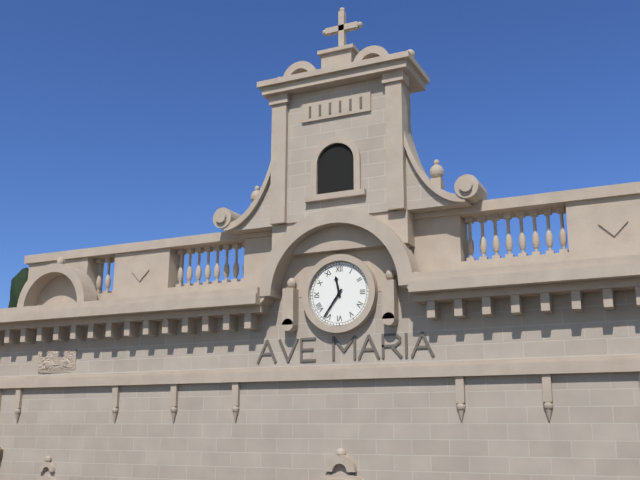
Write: 11h36
